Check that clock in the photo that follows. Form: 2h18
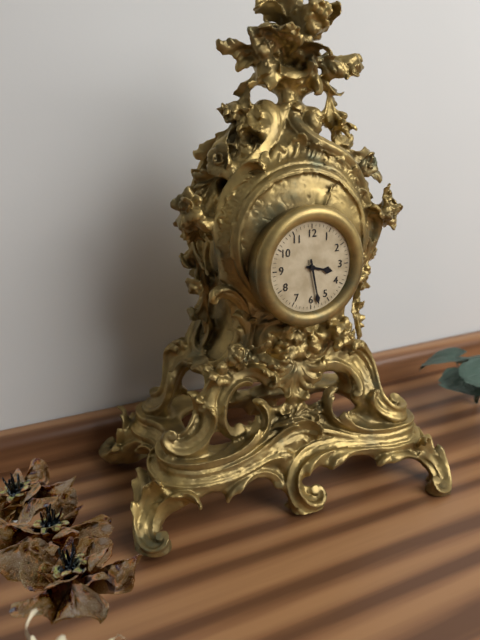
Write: 3h28
